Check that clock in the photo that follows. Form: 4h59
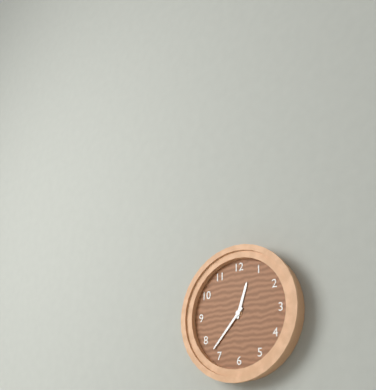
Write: 12h37
